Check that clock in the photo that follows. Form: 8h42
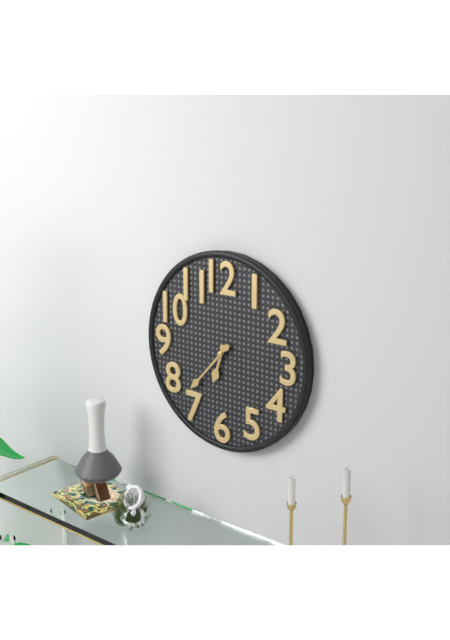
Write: 6h37
